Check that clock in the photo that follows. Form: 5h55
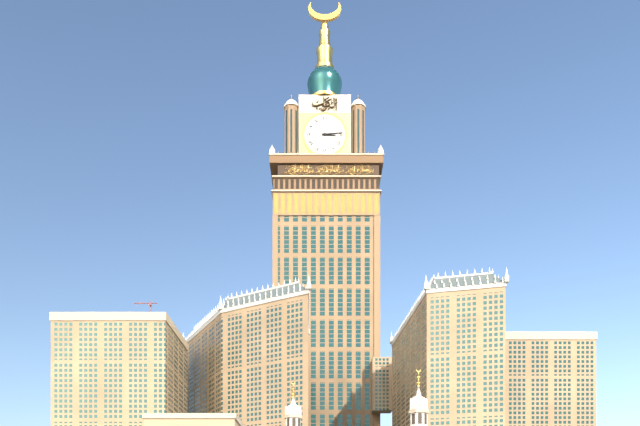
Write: 3h14
